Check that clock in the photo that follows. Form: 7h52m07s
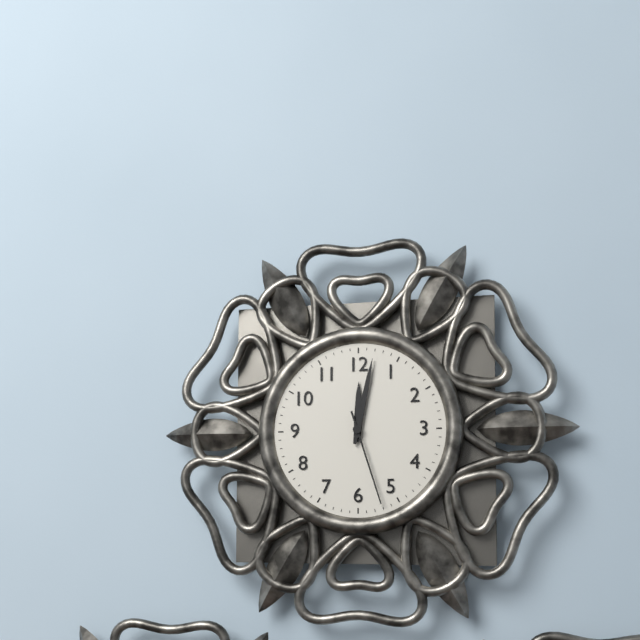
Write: 12h02m27s
